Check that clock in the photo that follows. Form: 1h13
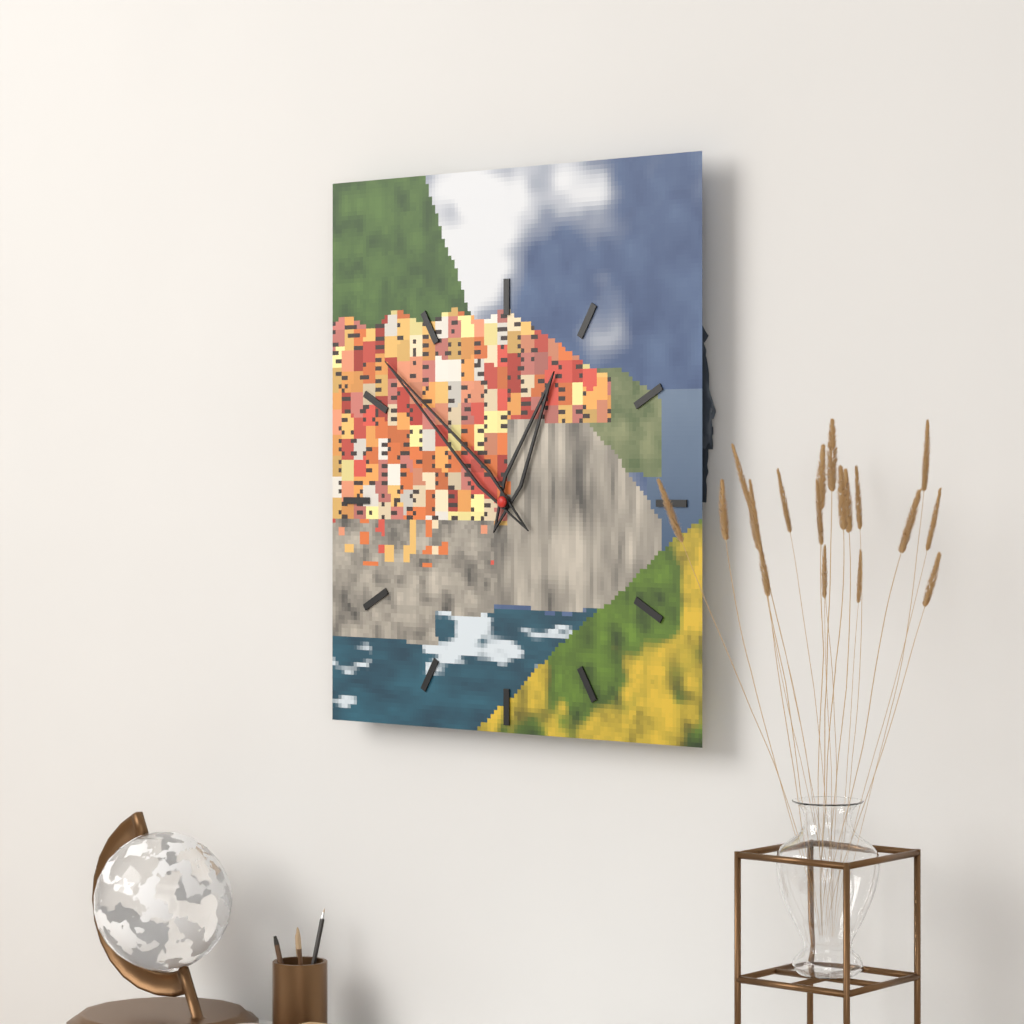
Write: 12h52
